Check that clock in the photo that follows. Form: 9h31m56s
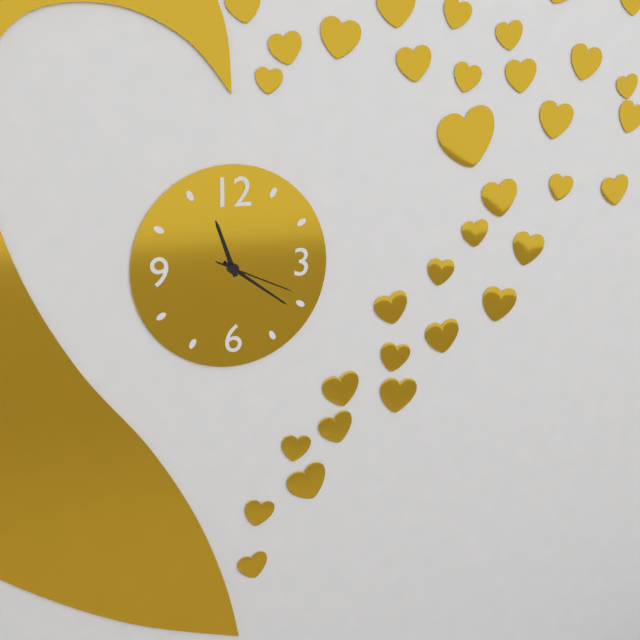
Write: 11h21m19s
